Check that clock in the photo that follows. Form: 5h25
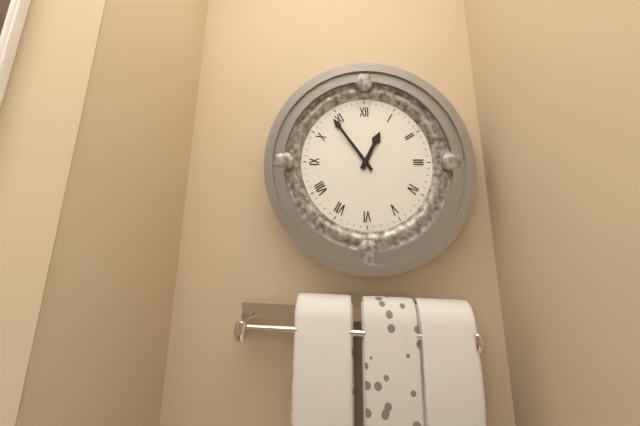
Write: 12h54
